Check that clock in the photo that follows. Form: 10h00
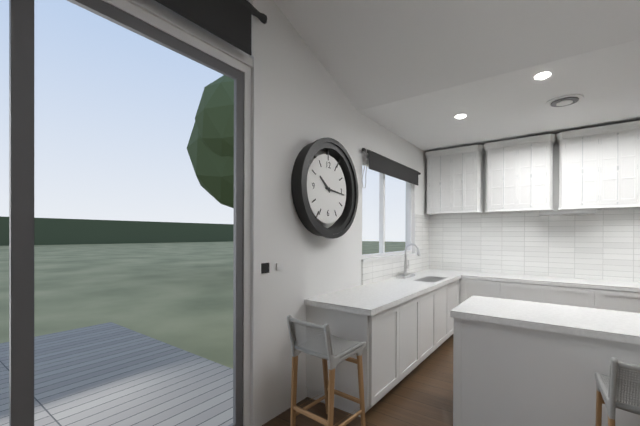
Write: 10h16
